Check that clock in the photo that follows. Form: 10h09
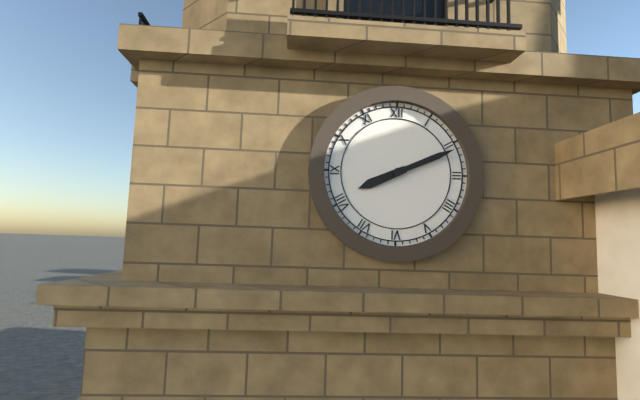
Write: 8h11
